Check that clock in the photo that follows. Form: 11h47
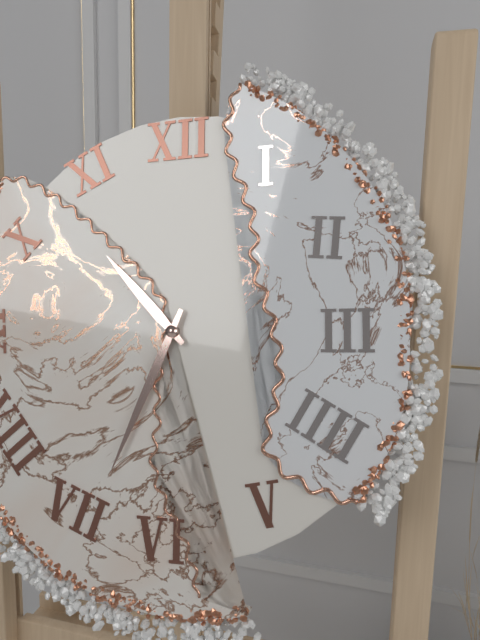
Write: 10h34
